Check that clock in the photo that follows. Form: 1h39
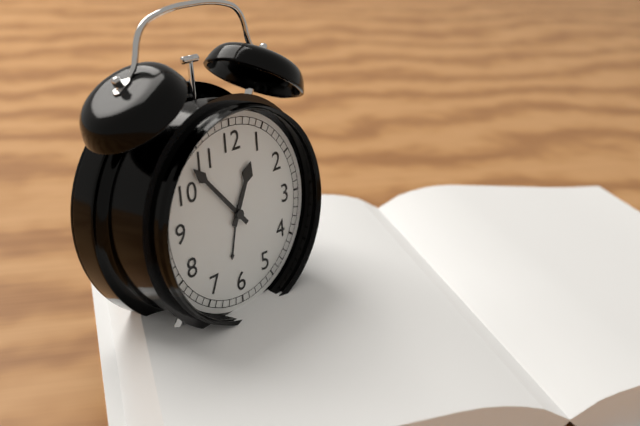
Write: 12h53
